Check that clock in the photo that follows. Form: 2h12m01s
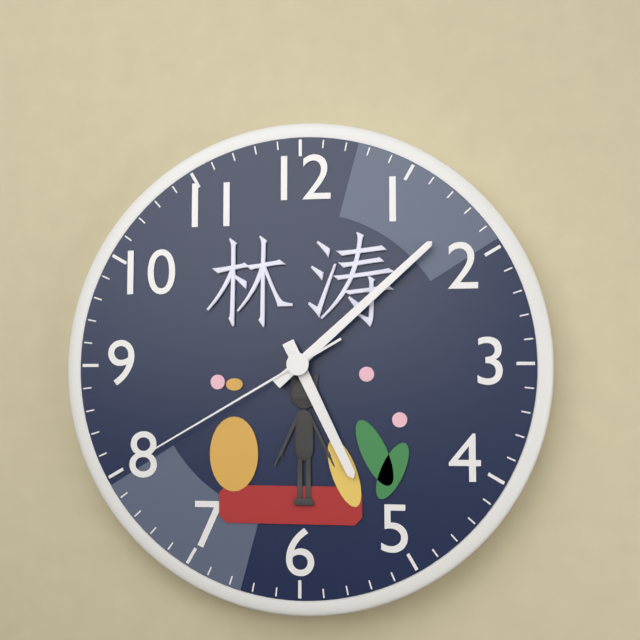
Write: 5h08m40s
